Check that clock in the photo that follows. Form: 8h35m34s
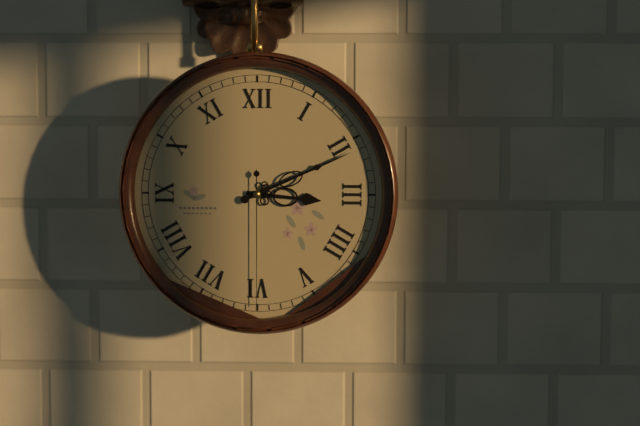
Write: 3h11m30s
